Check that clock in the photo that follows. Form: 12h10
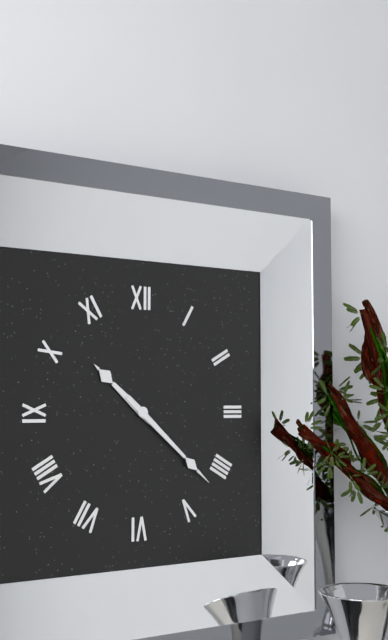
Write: 10h22
